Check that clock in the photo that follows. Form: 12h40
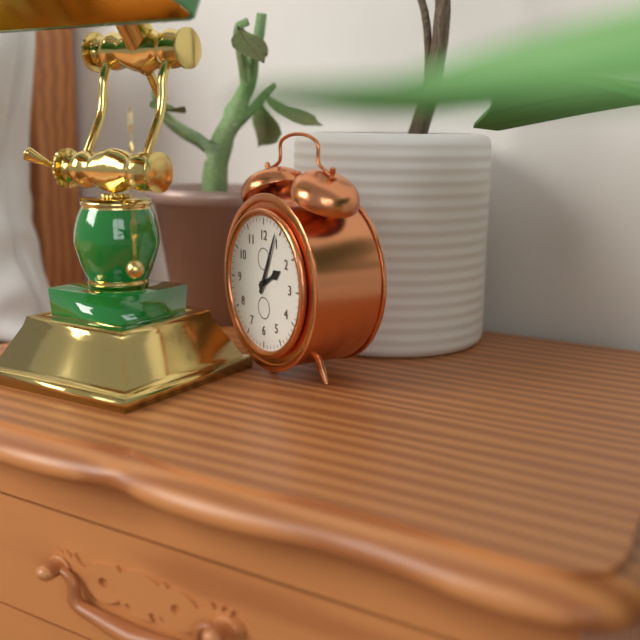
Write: 2h04
